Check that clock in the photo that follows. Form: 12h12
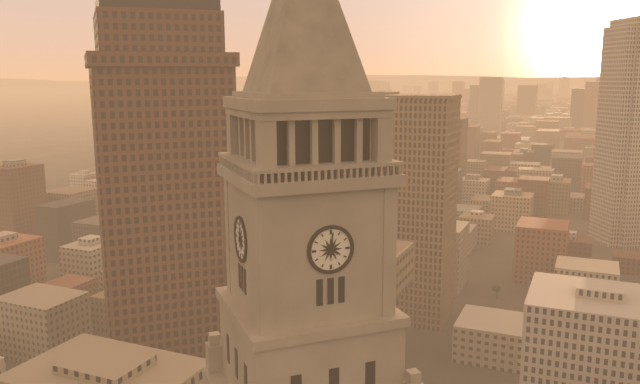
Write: 4h01
